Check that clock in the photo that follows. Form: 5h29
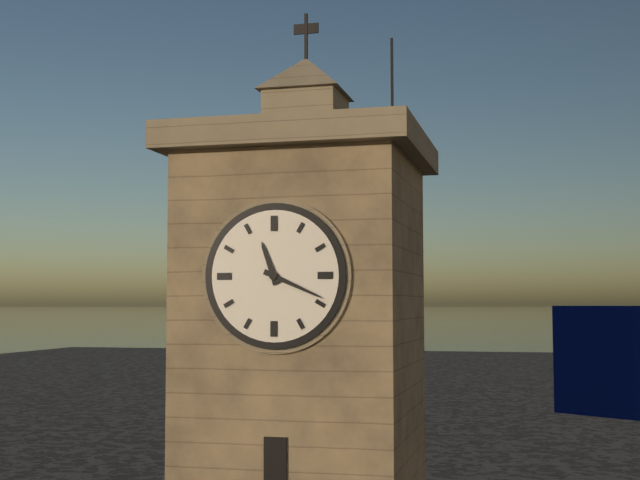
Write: 11h19
